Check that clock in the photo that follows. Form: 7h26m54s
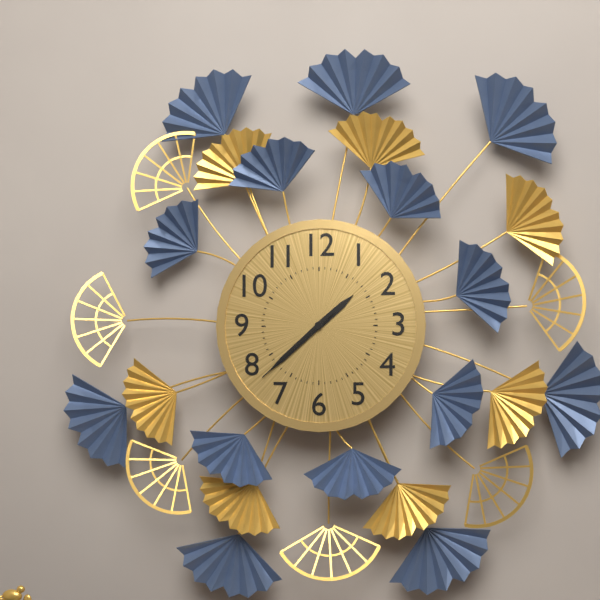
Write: 1h38m38s
